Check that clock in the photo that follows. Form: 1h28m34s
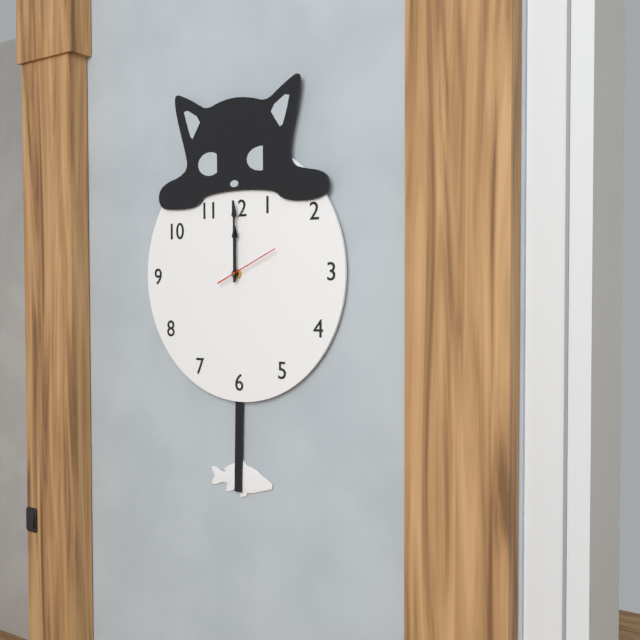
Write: 12h00m11s
